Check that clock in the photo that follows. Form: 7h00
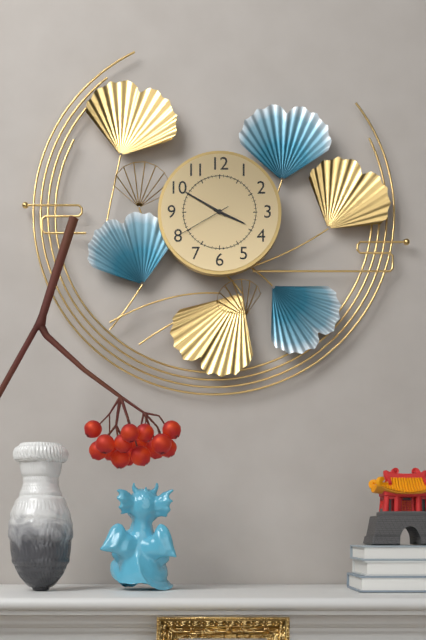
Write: 3h50
